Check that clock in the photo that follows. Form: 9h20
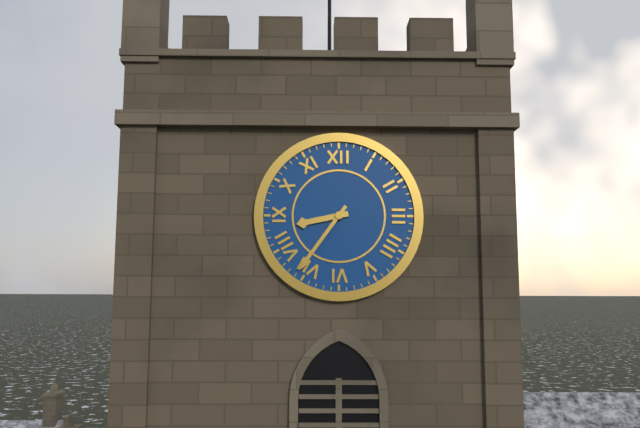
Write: 8h36
